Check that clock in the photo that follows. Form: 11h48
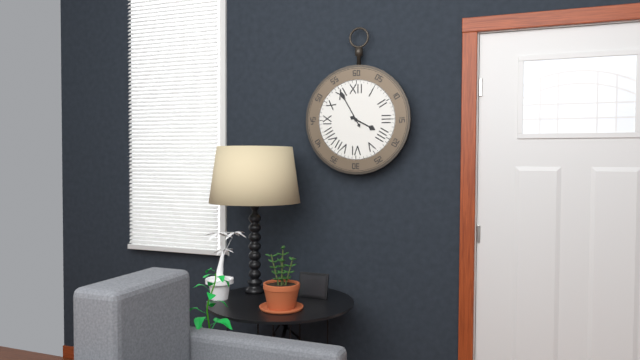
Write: 3h55
